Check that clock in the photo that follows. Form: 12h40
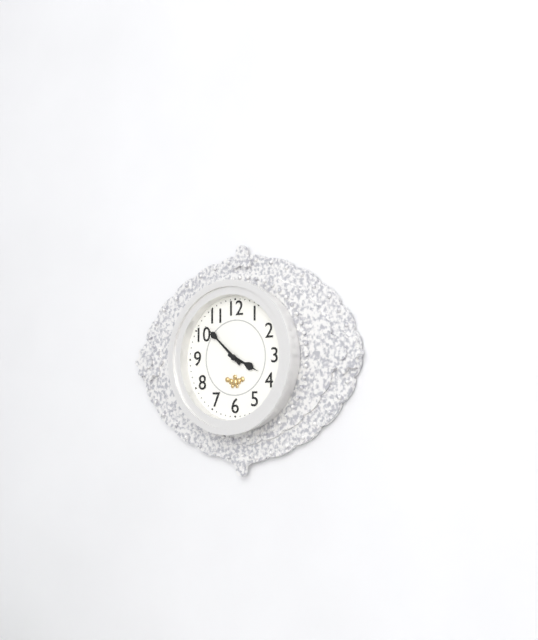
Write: 3h52
